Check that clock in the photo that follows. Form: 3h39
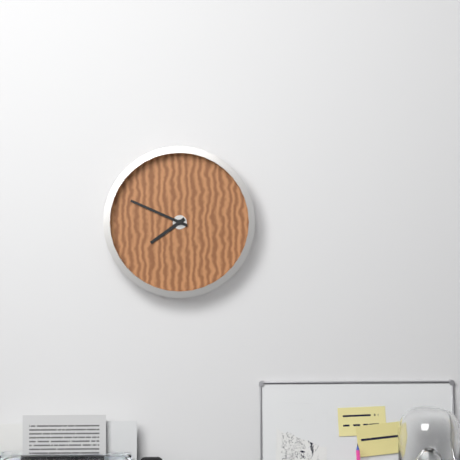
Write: 7h49
